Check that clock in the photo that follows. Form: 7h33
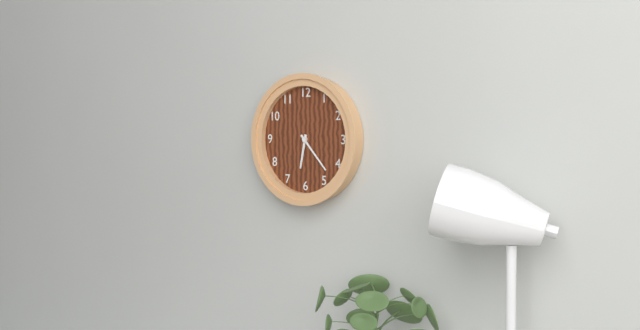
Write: 6h23
